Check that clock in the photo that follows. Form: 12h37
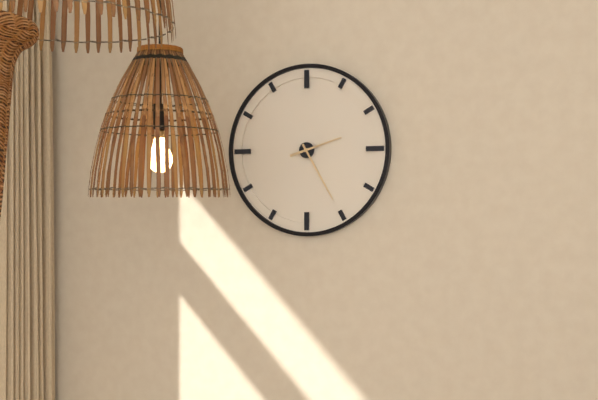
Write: 2h25
